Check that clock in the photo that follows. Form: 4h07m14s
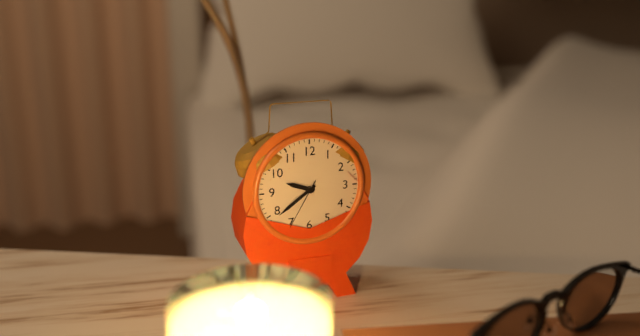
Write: 9h39m35s
